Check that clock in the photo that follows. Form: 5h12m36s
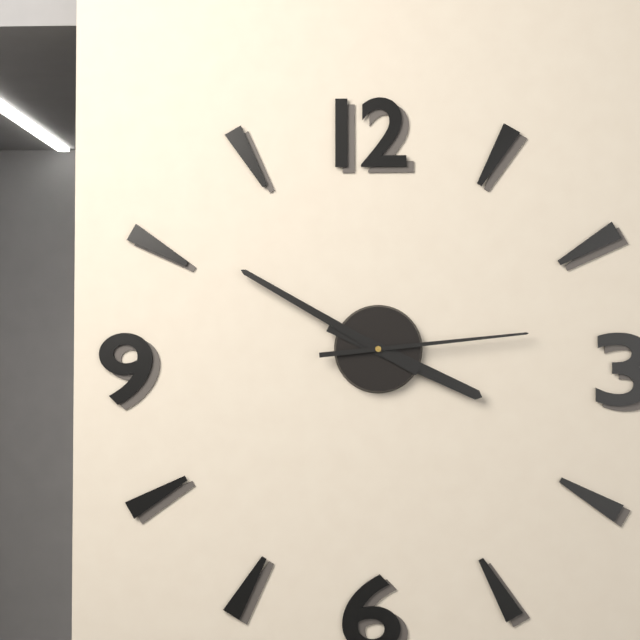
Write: 3h50m14s
